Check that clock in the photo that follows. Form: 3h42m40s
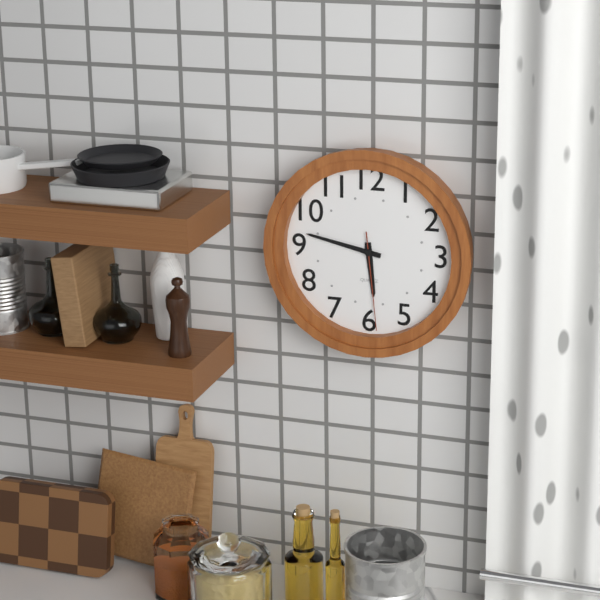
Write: 5h47m29s
